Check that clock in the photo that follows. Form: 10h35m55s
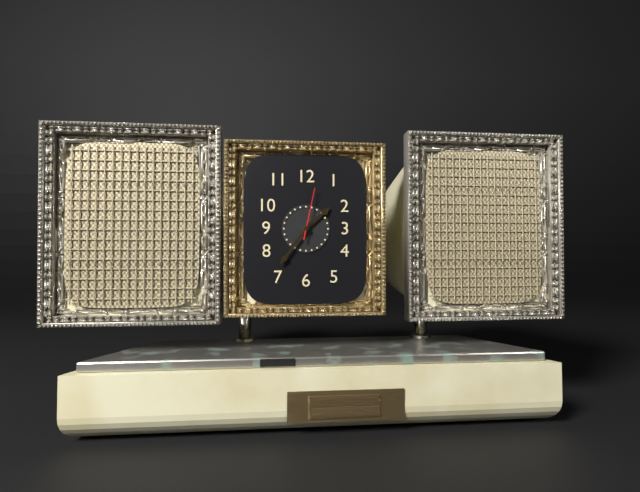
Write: 1h36m02s
